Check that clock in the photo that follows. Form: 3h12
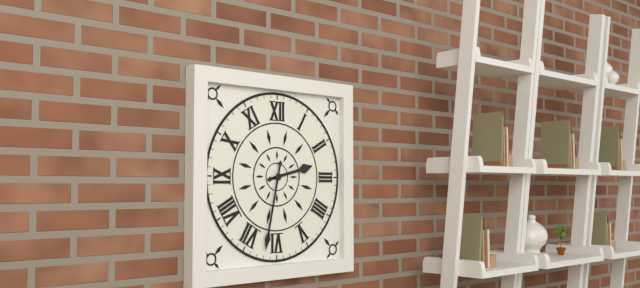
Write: 2h32
